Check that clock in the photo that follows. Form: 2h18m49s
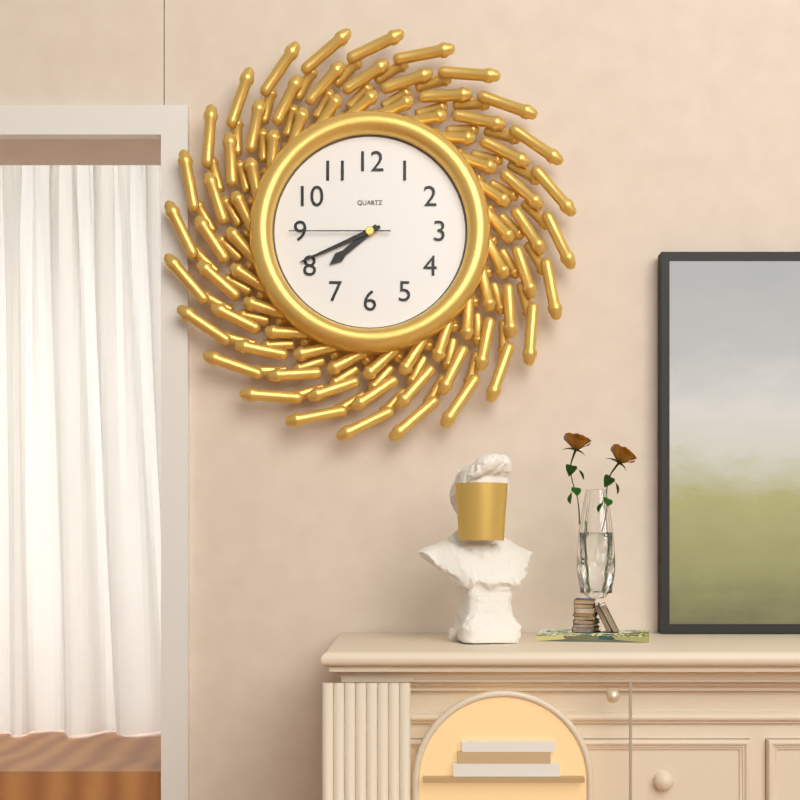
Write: 7h41m45s
